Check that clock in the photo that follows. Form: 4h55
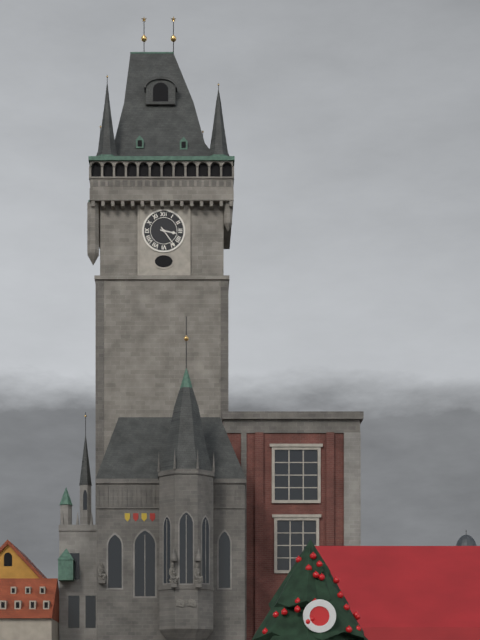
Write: 3h24
